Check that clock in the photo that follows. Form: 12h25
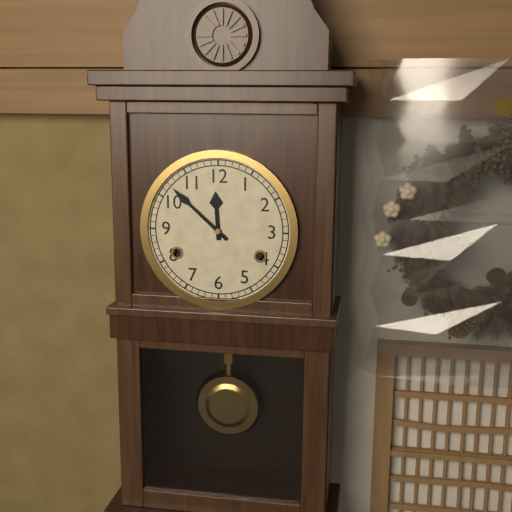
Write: 11h52
